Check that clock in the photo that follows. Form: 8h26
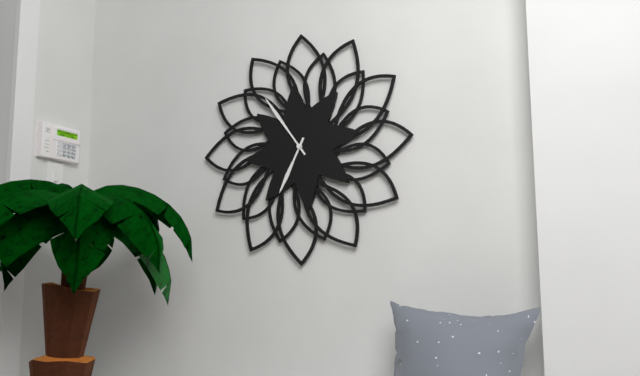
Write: 6h54
